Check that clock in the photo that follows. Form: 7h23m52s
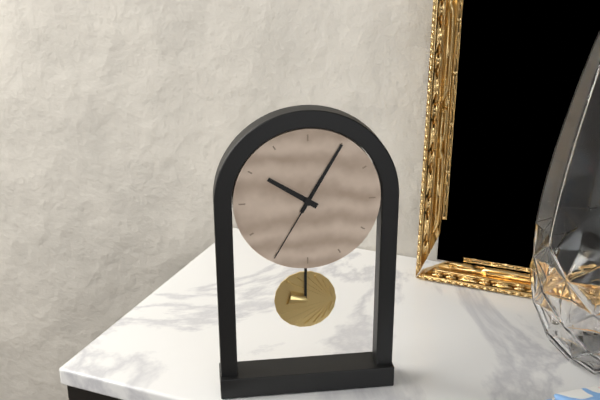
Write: 10h05m35s
